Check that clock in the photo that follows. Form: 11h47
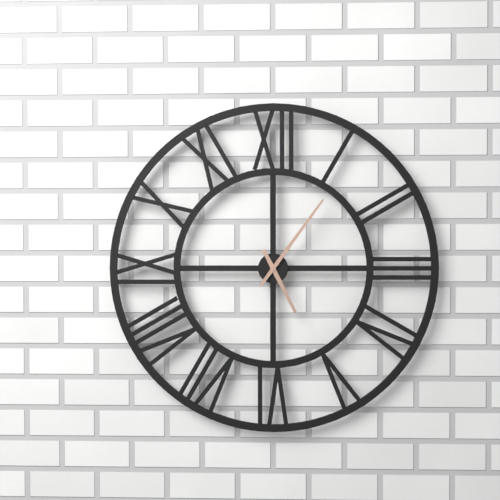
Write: 5h06
